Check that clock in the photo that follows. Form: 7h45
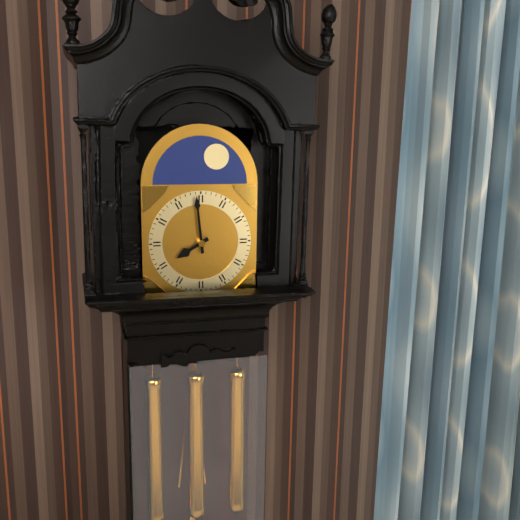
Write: 7h59
